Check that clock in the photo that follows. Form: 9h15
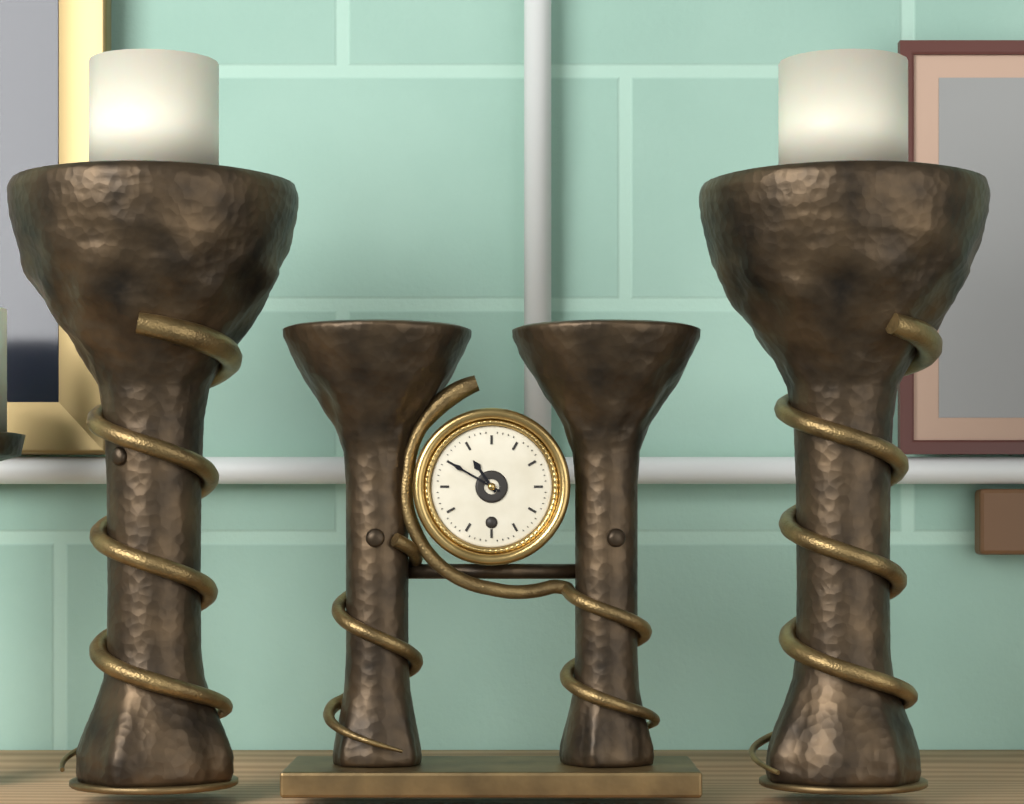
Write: 10h50
